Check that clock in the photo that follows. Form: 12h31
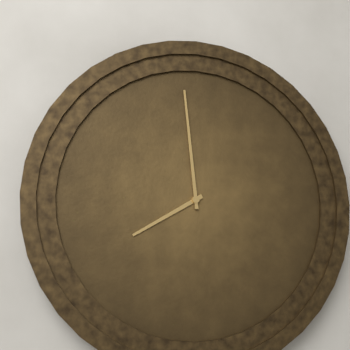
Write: 7h59
